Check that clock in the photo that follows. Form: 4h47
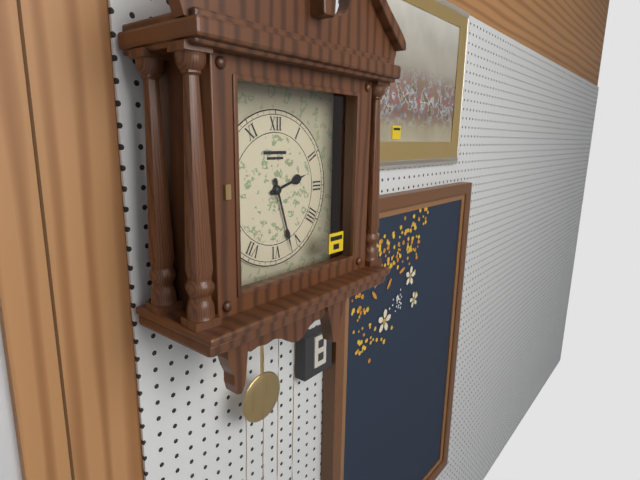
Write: 2h27
